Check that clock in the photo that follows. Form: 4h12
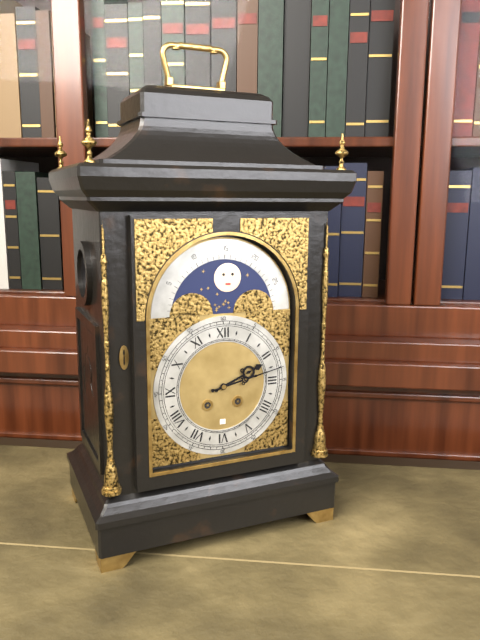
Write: 2h13
